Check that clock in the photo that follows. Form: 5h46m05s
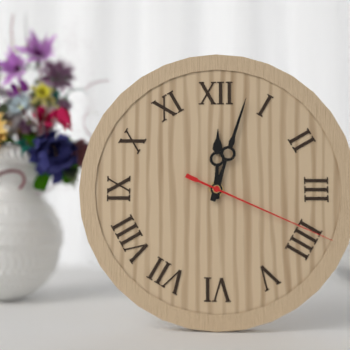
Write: 12h03m19s
